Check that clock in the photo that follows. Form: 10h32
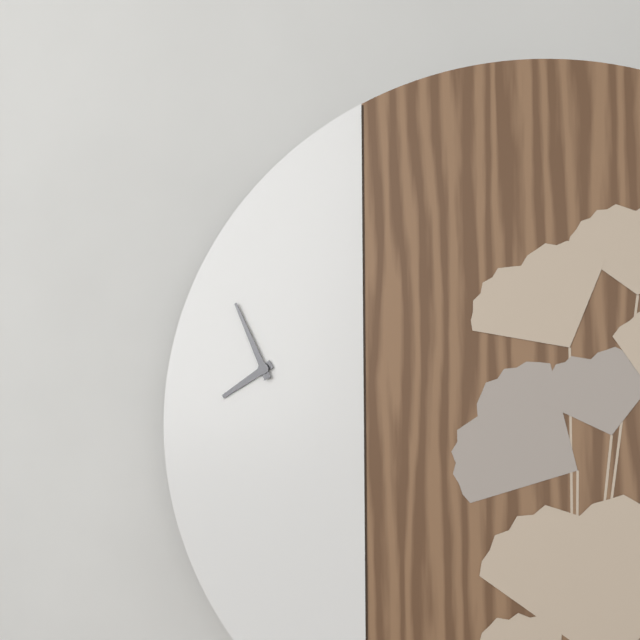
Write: 7h56
